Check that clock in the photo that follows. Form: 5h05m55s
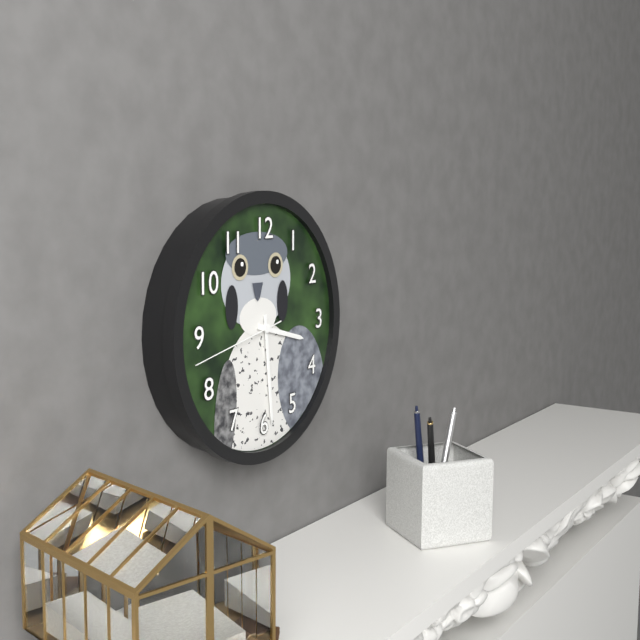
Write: 3h29m43s
